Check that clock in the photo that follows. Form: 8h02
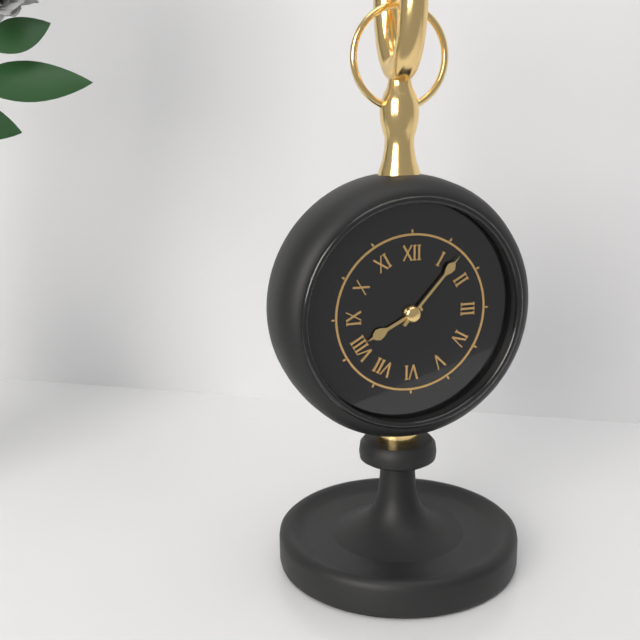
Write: 8h07
